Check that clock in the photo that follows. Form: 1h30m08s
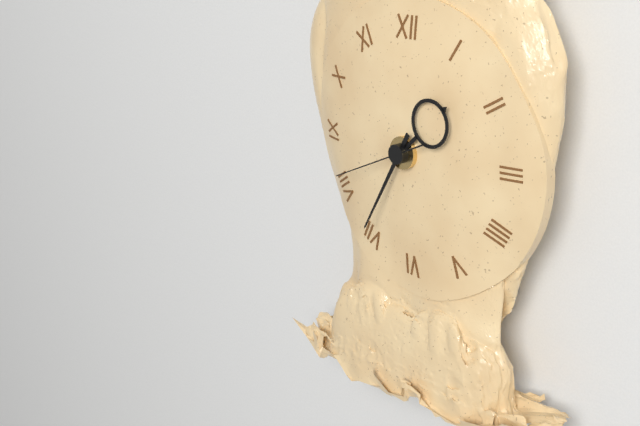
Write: 1h35m41s
